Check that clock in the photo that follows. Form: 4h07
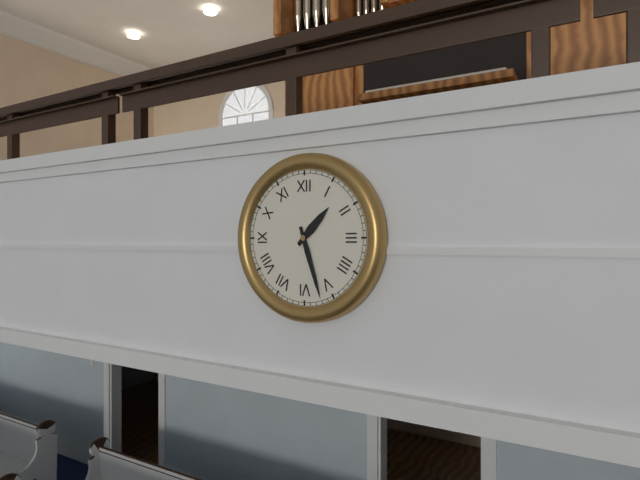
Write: 1h27
